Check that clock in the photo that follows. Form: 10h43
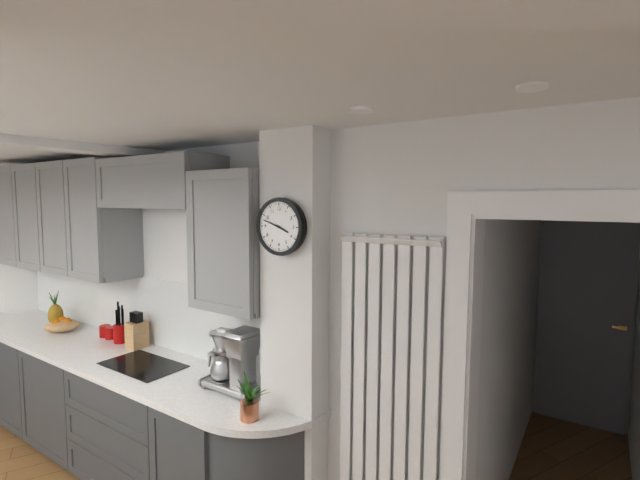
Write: 3h48
